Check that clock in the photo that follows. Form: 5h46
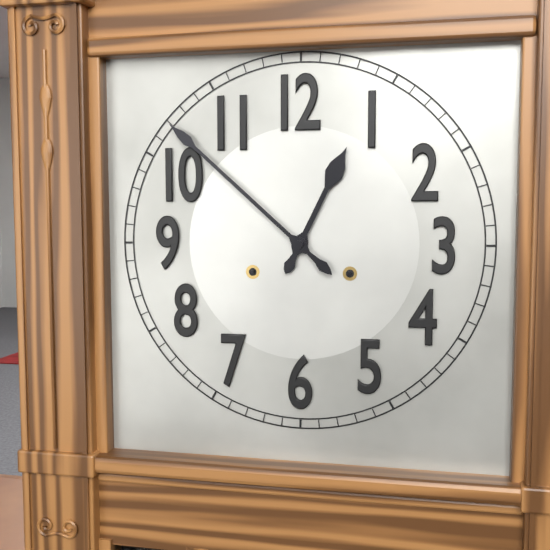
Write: 12h52
